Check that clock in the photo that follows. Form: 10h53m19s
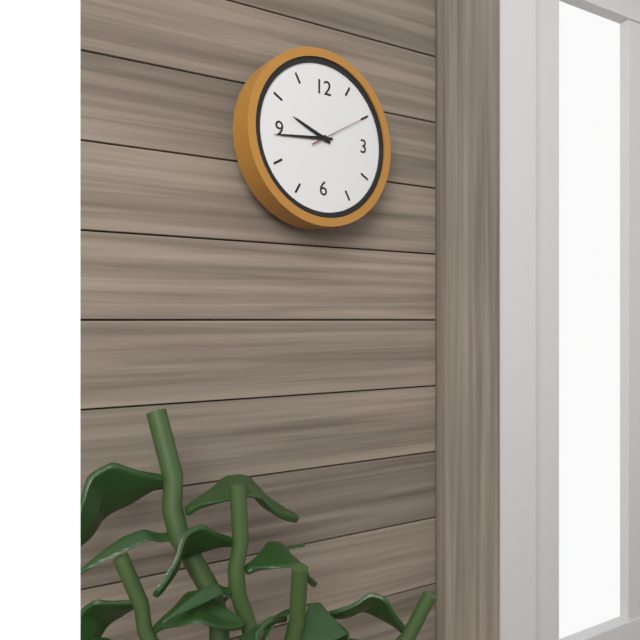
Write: 9h44m10s
